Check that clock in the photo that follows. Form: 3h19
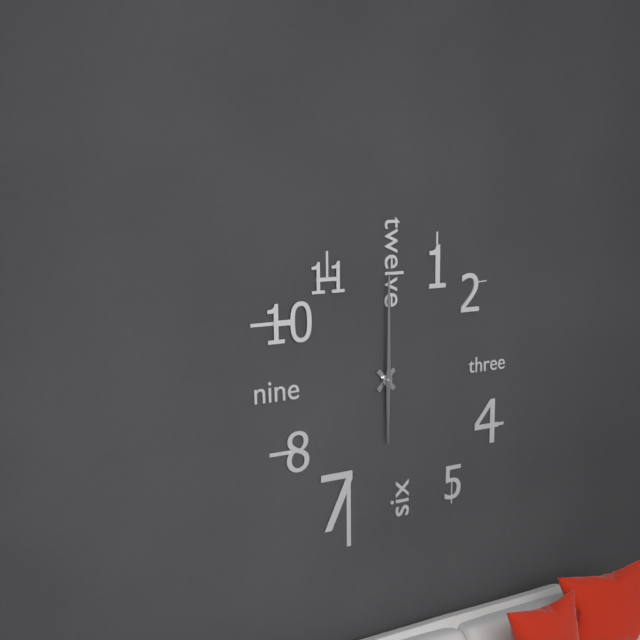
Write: 6h00
